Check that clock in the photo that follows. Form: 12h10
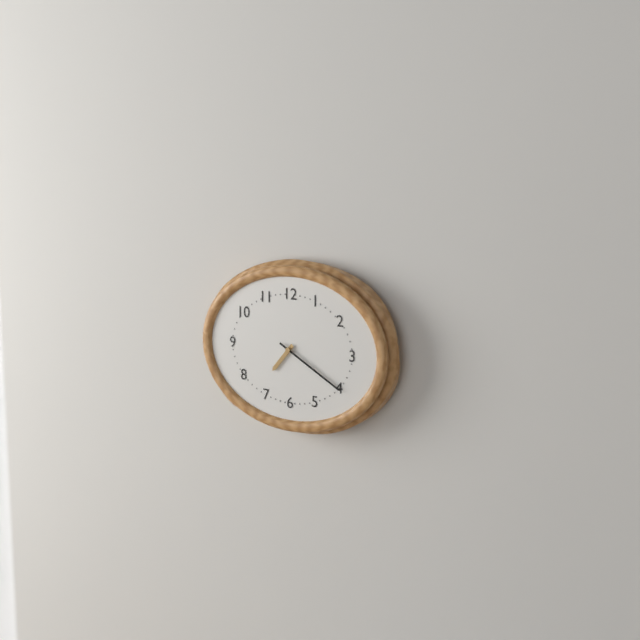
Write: 7h20
